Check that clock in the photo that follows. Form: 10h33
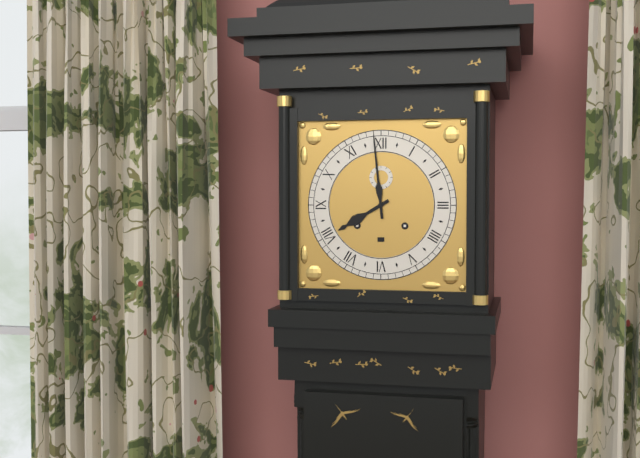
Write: 7h59
